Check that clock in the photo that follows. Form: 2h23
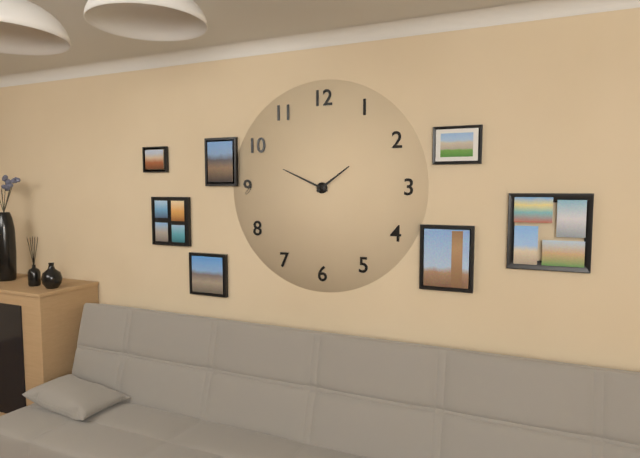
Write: 1h49
